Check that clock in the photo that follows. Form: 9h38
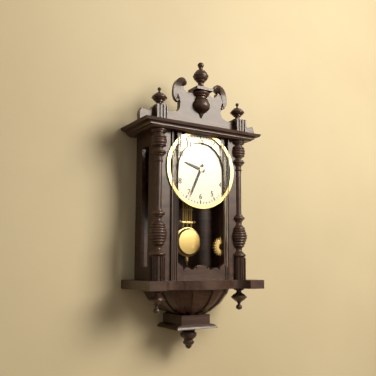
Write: 9h34
